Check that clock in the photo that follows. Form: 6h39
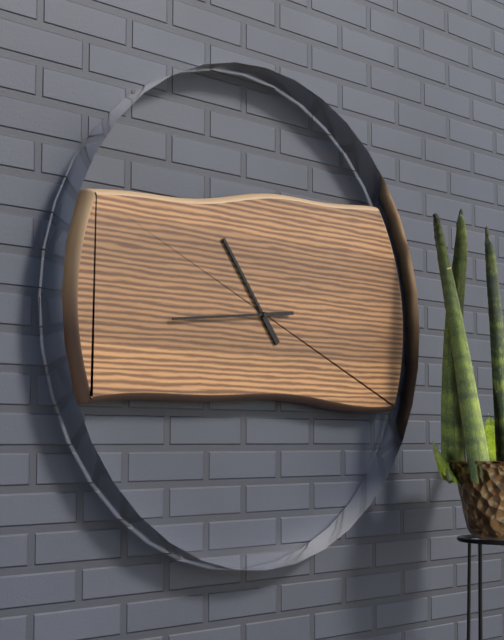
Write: 10h44
